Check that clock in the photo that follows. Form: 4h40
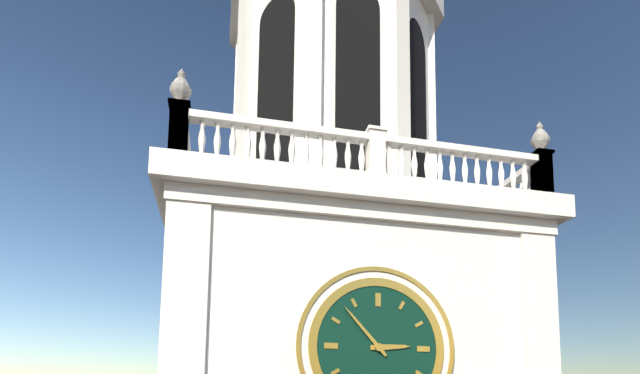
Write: 2h53
